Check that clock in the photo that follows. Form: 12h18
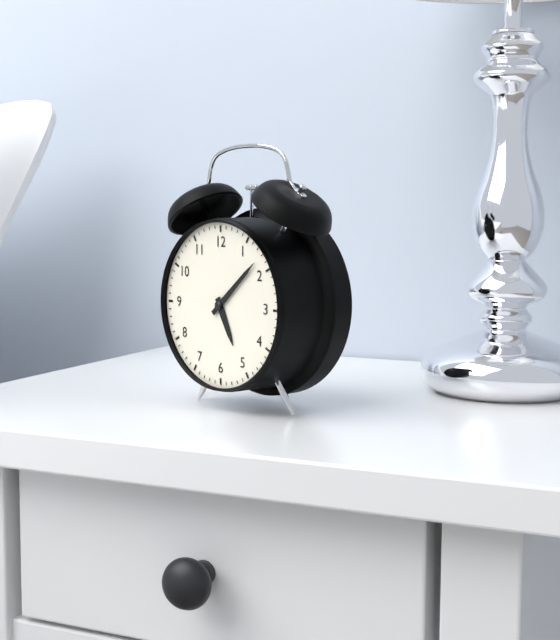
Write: 5h08
